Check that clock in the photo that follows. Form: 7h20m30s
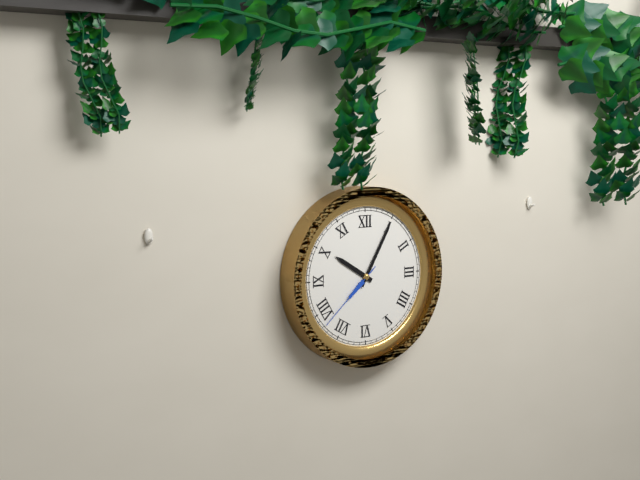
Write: 10h05m38s
